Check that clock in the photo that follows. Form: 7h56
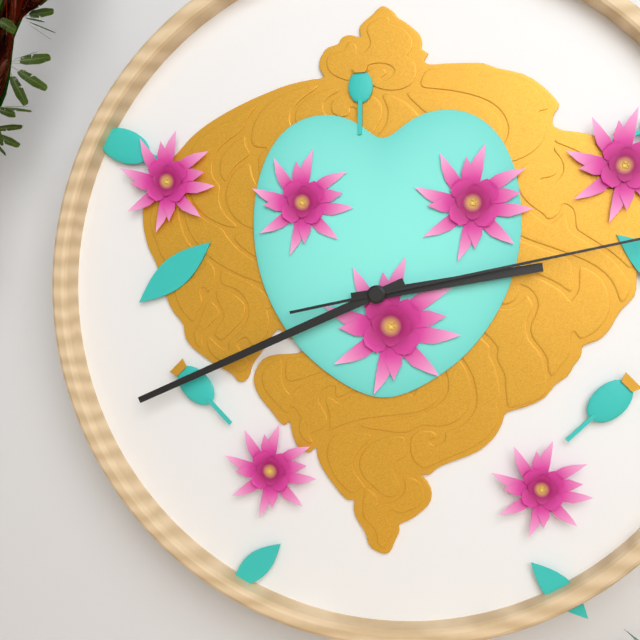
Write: 2h41
